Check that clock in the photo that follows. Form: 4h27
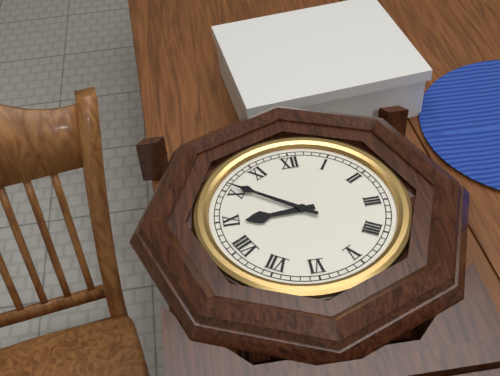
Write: 8h51
